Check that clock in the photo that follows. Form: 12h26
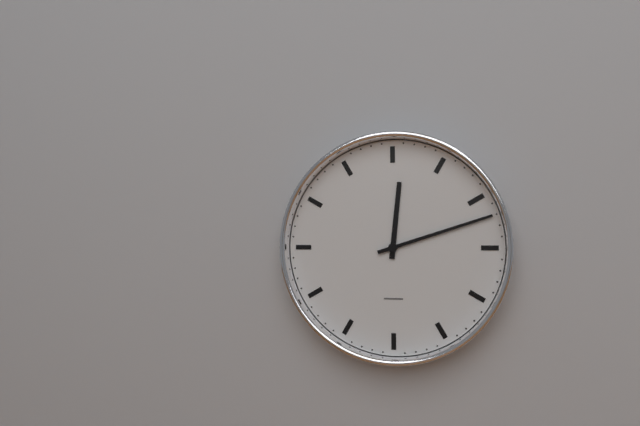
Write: 12h12
